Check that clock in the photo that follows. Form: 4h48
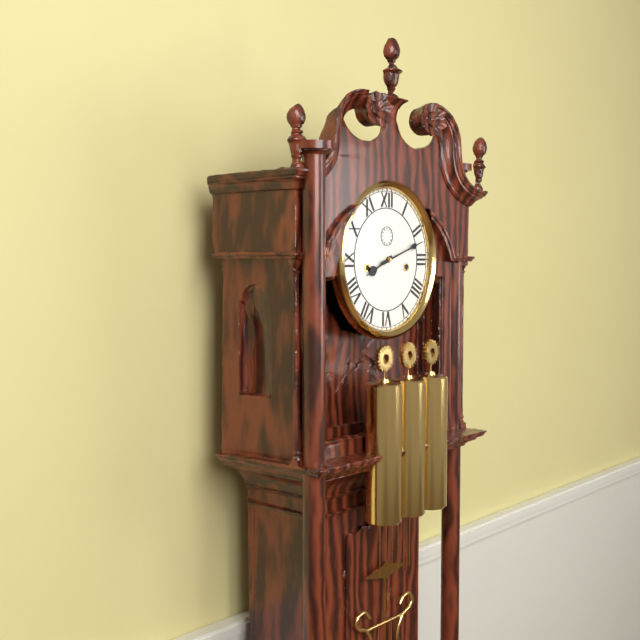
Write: 8h12
